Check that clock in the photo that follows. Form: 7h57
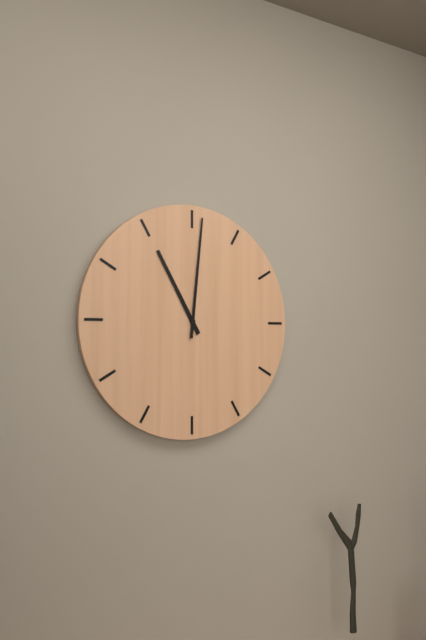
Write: 11h01
